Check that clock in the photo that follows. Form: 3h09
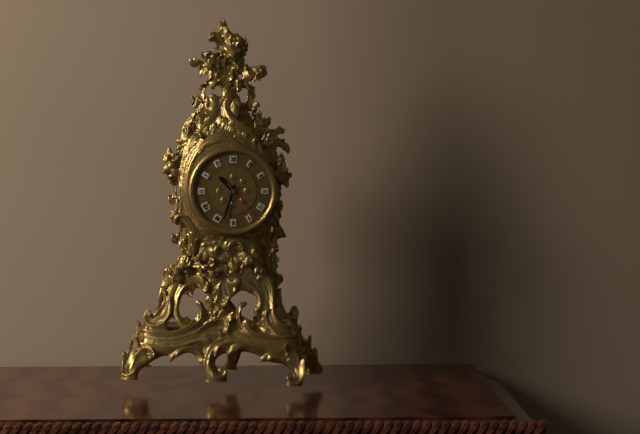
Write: 10h33
